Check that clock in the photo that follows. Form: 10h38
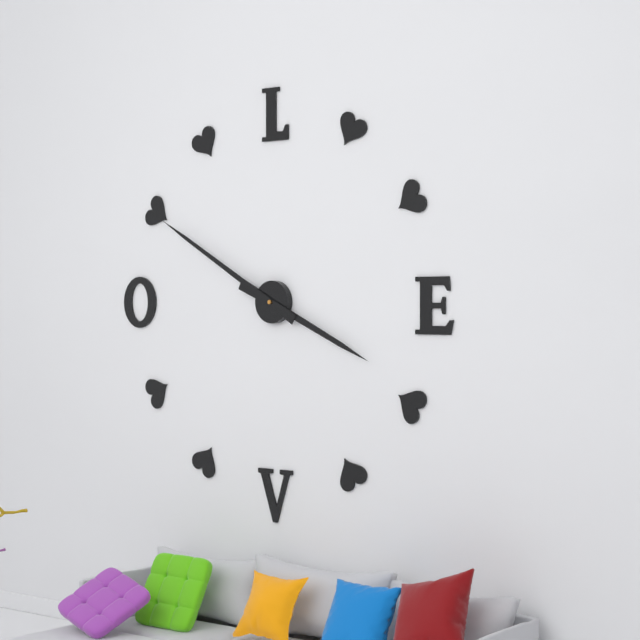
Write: 3h50
